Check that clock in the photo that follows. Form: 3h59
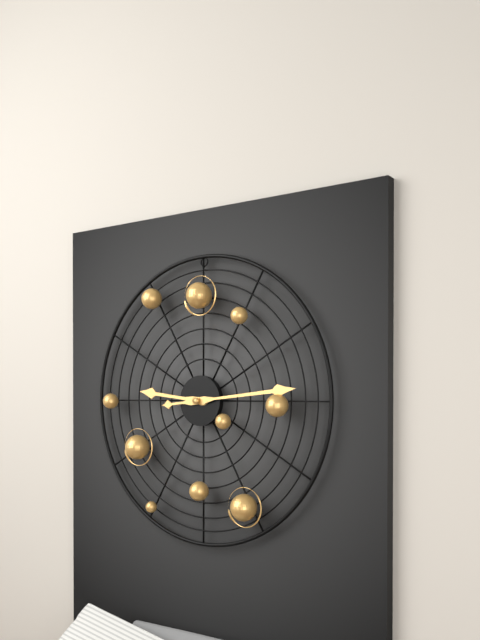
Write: 9h14
